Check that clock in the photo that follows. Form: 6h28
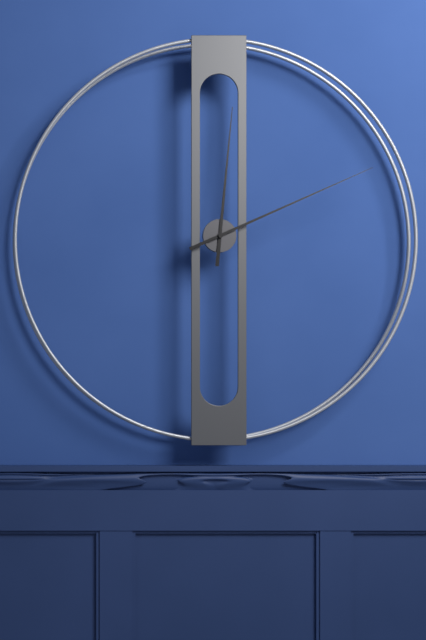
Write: 12h11
